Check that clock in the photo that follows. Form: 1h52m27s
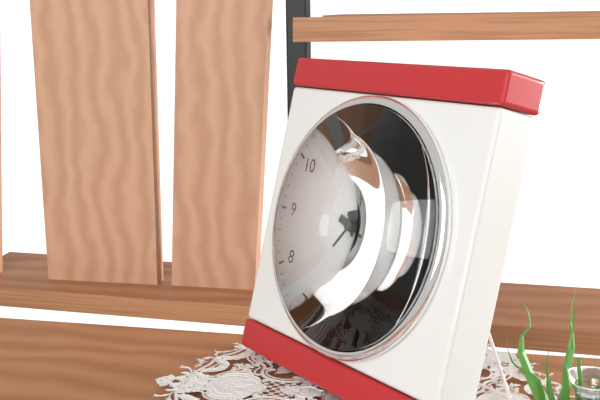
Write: 5h18m06s
